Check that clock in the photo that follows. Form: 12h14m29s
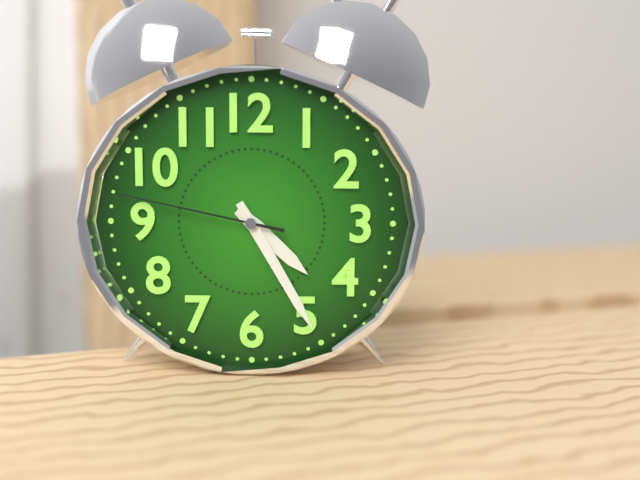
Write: 4h25m47s
